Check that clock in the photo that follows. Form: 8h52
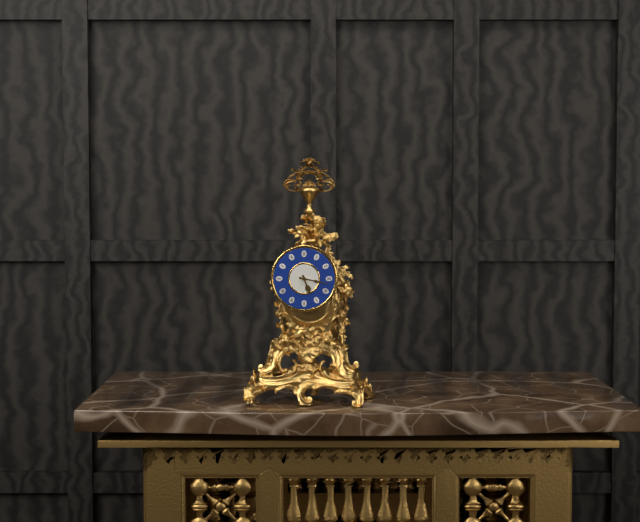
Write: 5h17
